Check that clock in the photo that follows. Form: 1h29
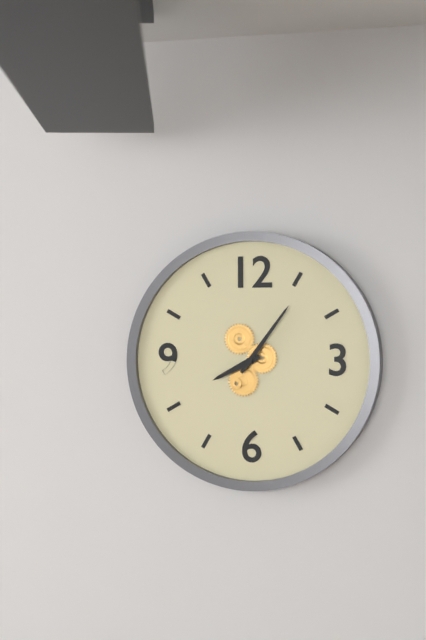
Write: 8h06
